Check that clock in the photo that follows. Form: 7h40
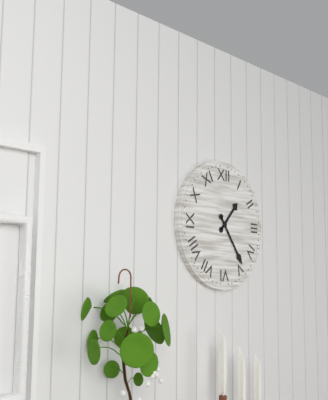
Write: 1h24
